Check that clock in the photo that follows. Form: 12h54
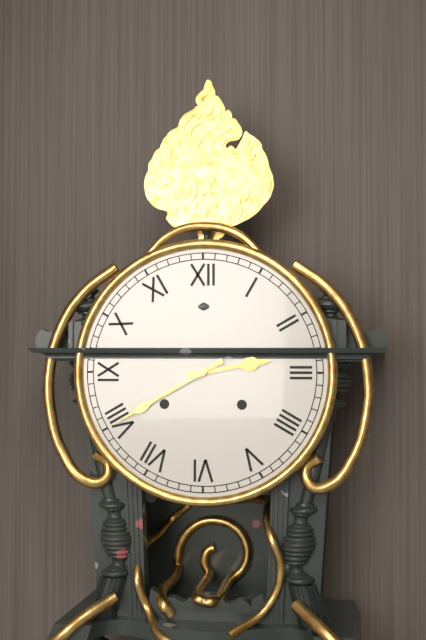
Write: 2h40
